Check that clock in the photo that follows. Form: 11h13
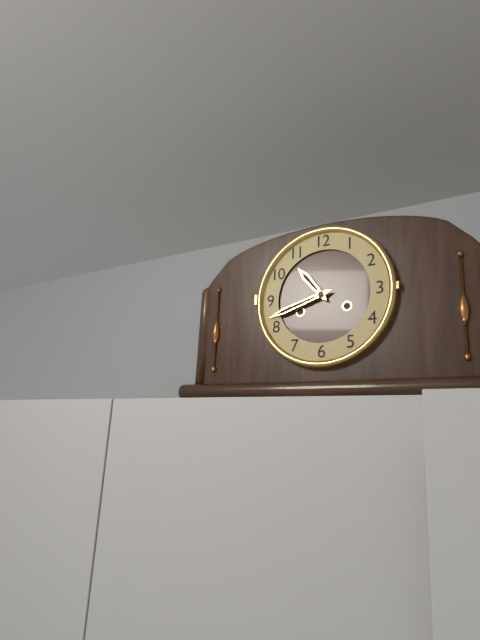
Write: 10h42
